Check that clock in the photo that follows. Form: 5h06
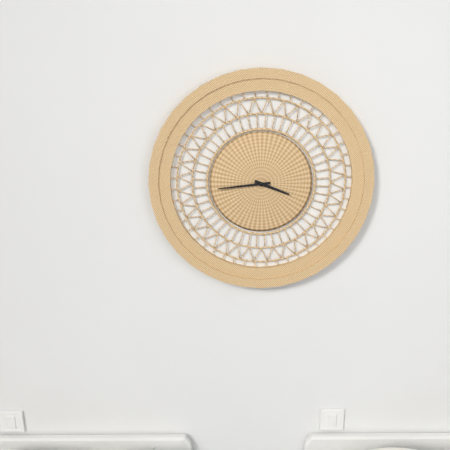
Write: 3h44
